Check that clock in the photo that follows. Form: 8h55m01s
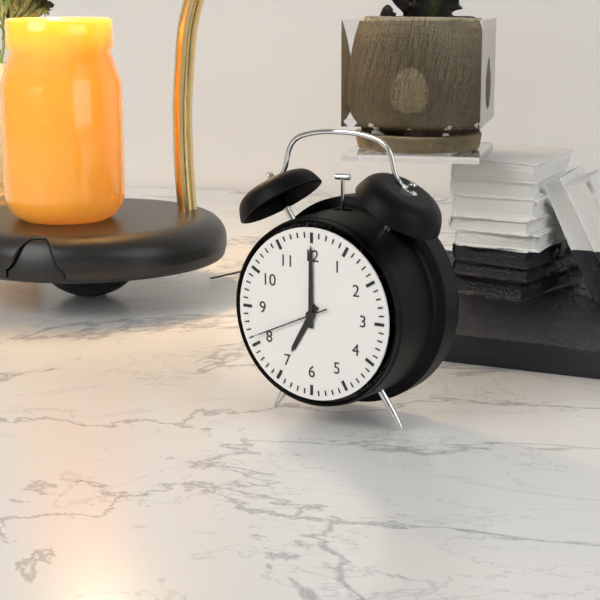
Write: 7h00m41s
